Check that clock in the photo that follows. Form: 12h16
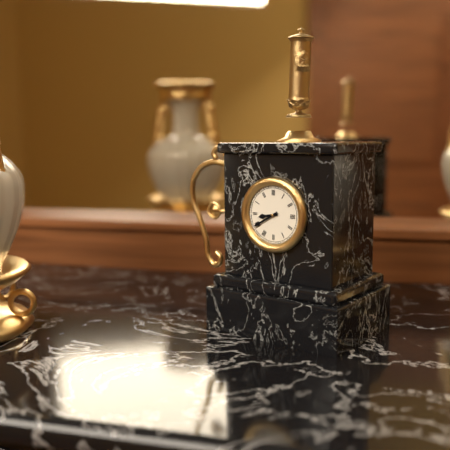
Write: 8h40
